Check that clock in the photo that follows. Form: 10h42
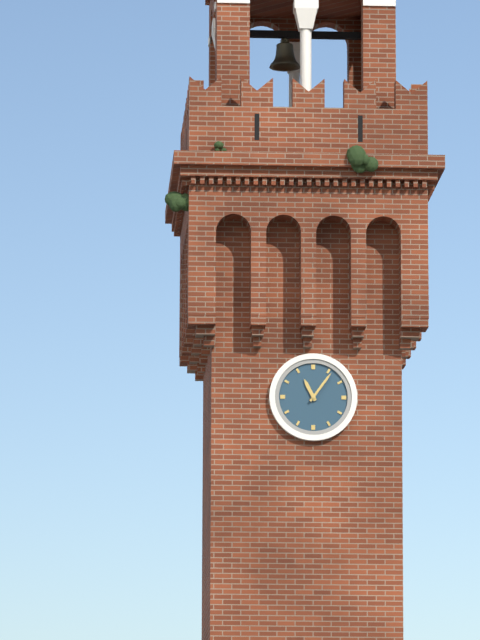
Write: 11h06
